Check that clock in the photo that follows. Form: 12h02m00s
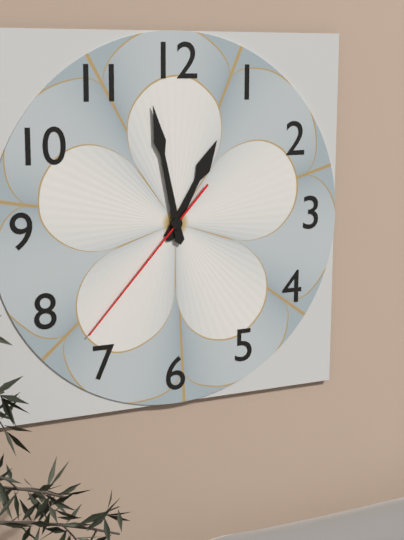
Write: 12h58m37s
